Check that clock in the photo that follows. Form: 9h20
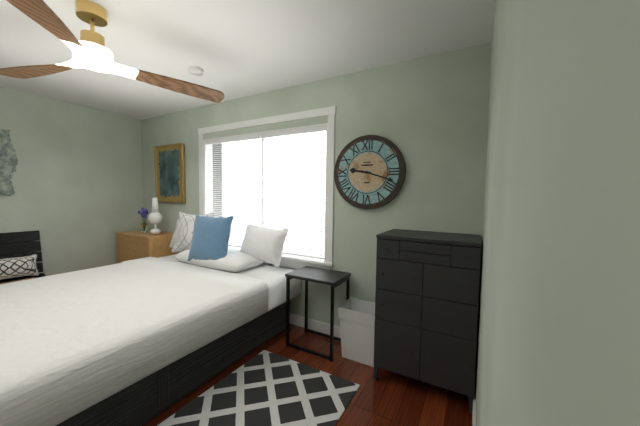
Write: 9h18
